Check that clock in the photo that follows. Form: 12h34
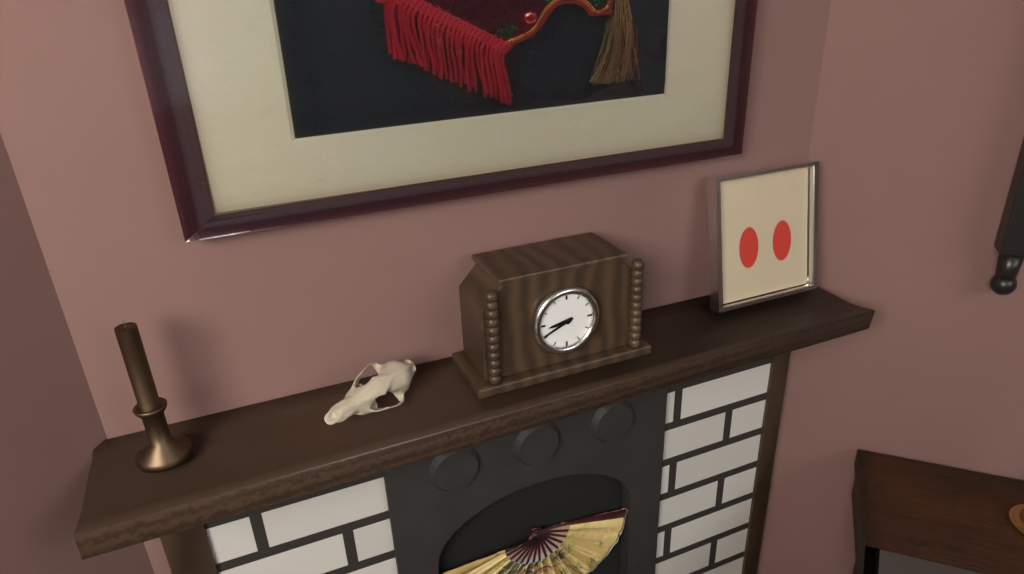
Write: 8h41
